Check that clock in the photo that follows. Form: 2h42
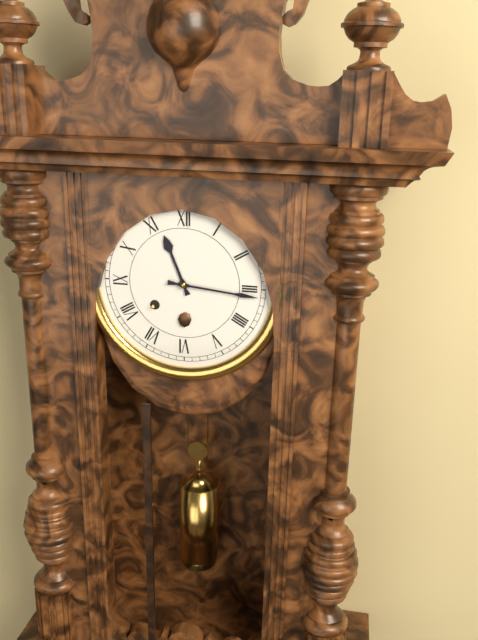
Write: 11h16
